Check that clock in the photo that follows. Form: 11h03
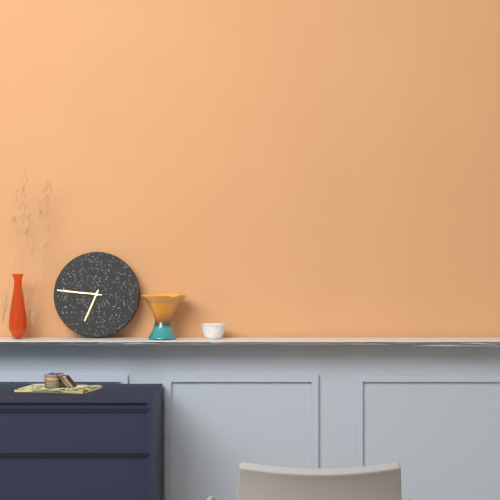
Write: 6h46
